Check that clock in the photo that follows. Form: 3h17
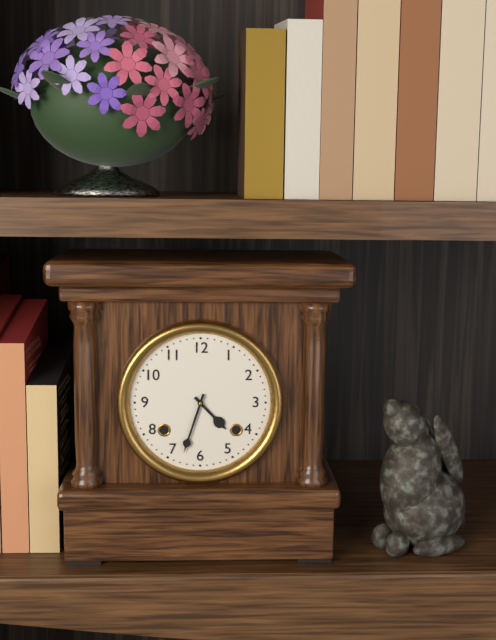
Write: 4h33
